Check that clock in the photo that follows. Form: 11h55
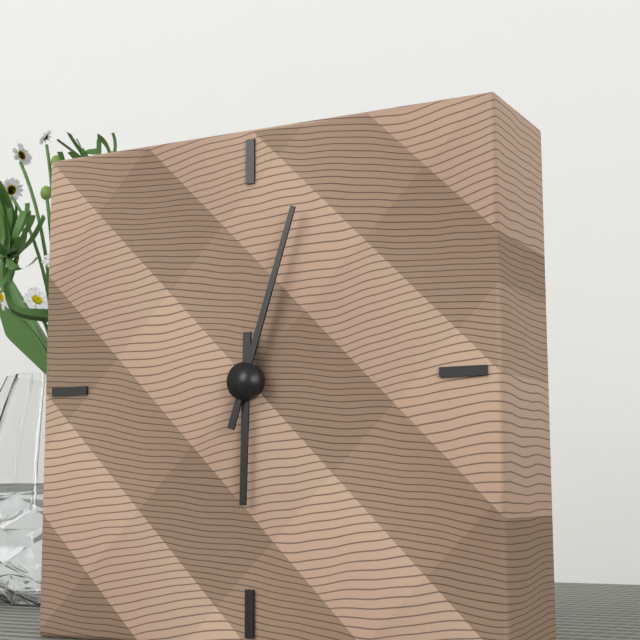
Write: 6h03
